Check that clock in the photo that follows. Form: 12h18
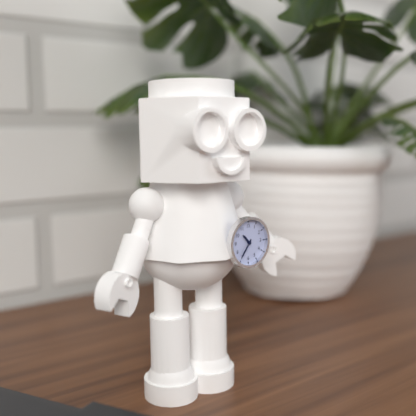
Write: 10h36
